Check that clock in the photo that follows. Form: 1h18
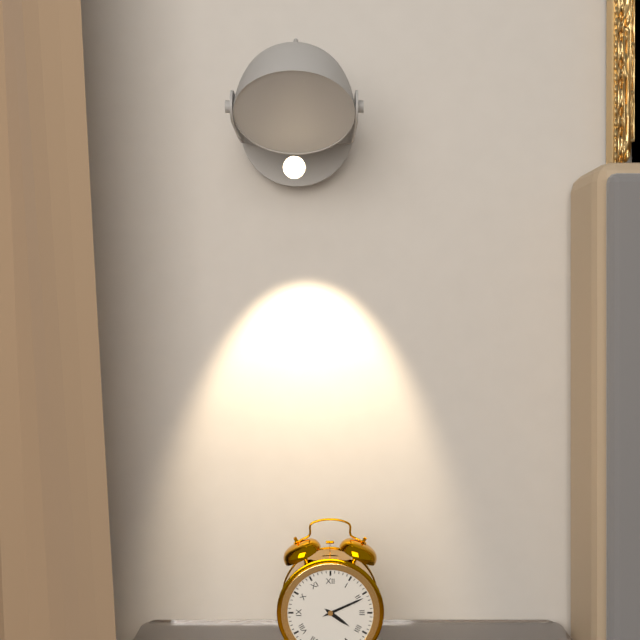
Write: 4h11
